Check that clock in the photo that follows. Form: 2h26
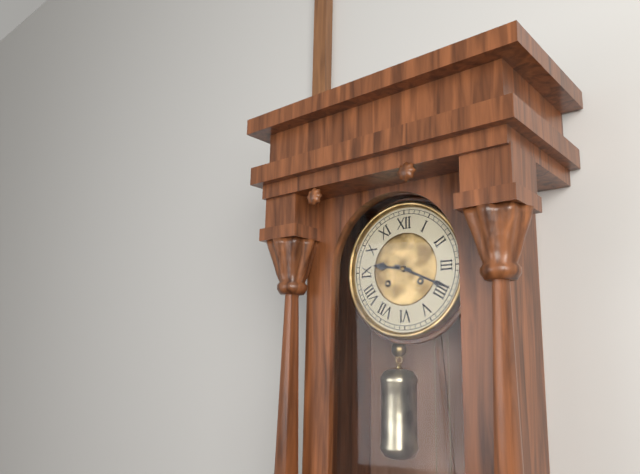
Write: 9h19
